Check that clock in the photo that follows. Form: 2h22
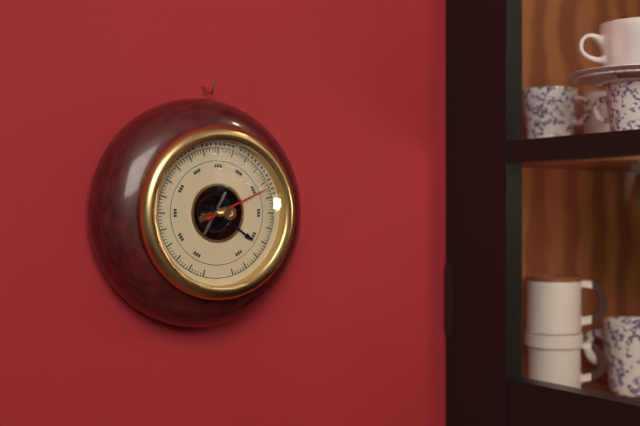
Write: 4h11
